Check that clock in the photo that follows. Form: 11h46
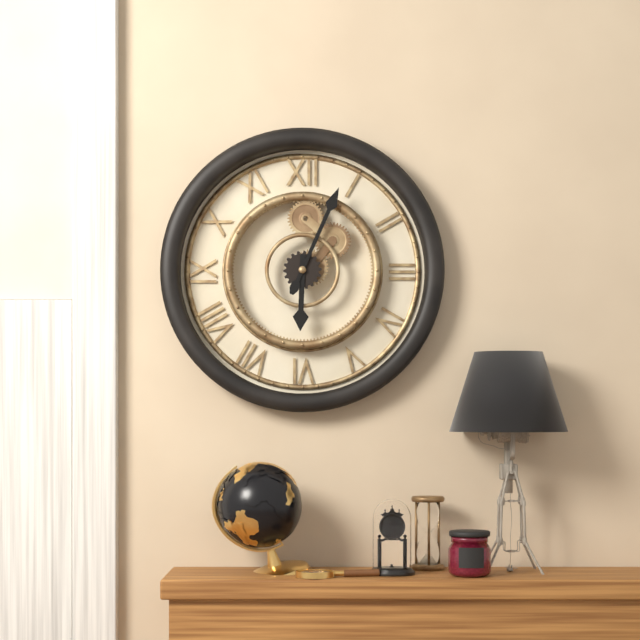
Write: 6h04
